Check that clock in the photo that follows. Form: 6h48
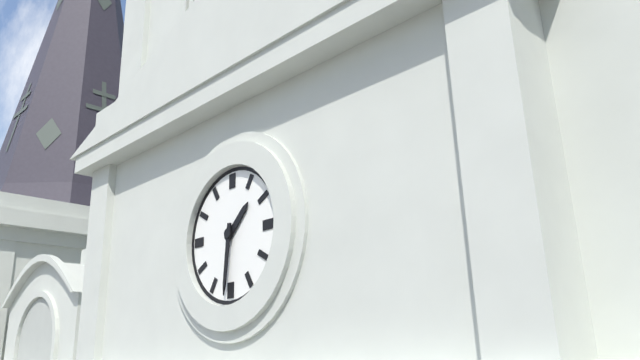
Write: 1h31
